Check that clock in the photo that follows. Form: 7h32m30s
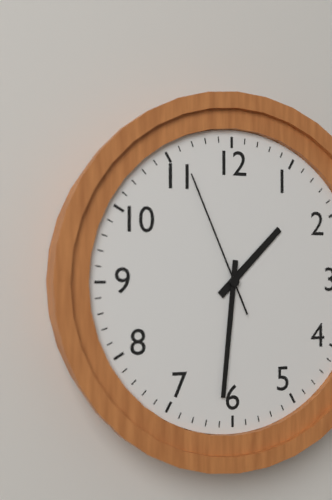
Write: 1h31m56s
